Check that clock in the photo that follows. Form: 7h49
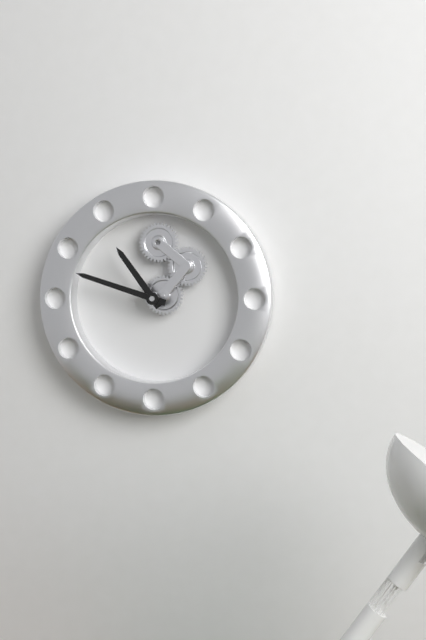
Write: 10h48
